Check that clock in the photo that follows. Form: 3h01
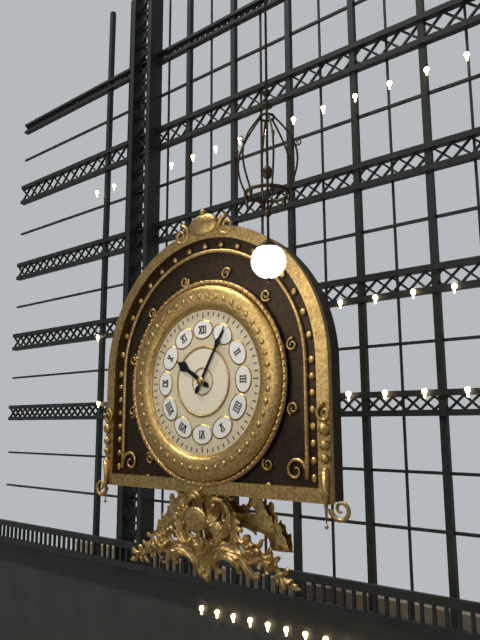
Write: 10h05
